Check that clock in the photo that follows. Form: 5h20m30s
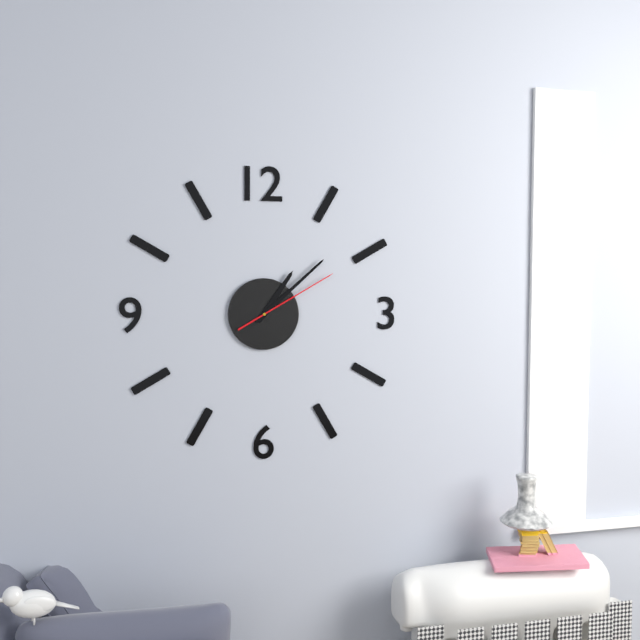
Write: 1h08m10s
